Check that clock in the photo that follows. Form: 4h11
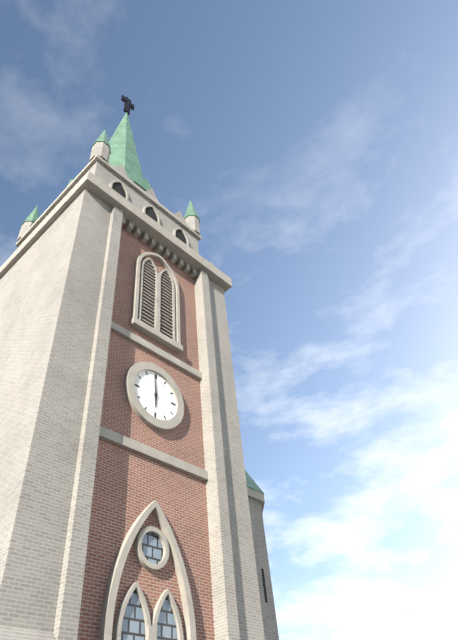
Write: 5h59
